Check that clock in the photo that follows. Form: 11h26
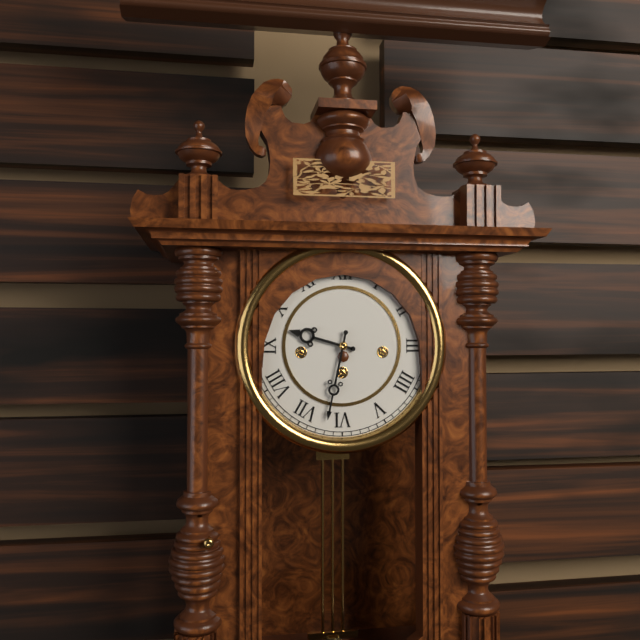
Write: 9h32
